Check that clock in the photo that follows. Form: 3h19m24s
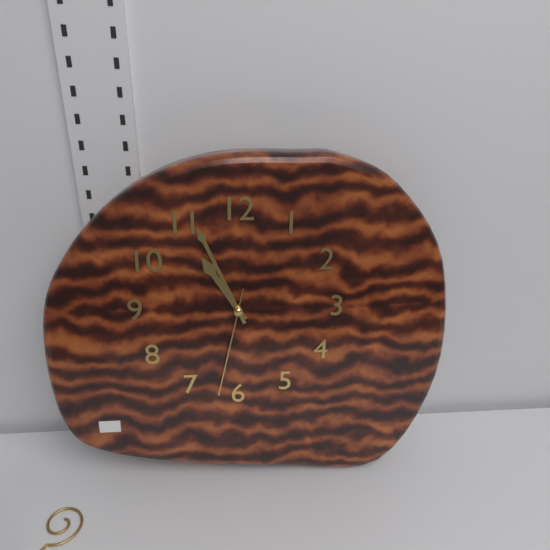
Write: 10h56m32s
